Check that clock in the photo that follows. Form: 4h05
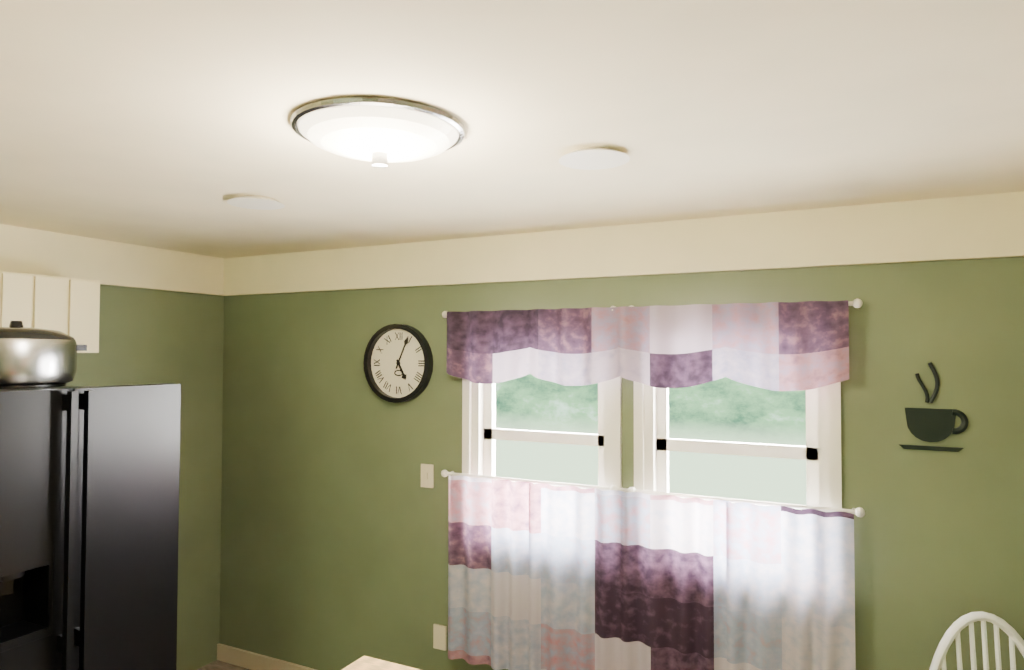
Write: 5h04
